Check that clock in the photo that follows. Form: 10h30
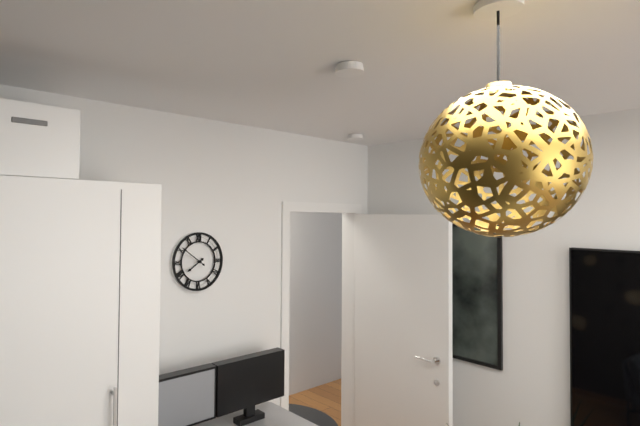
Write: 7h51
